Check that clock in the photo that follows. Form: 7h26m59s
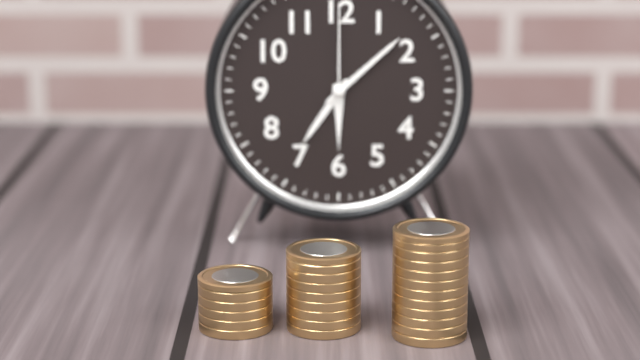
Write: 7h08m00s
